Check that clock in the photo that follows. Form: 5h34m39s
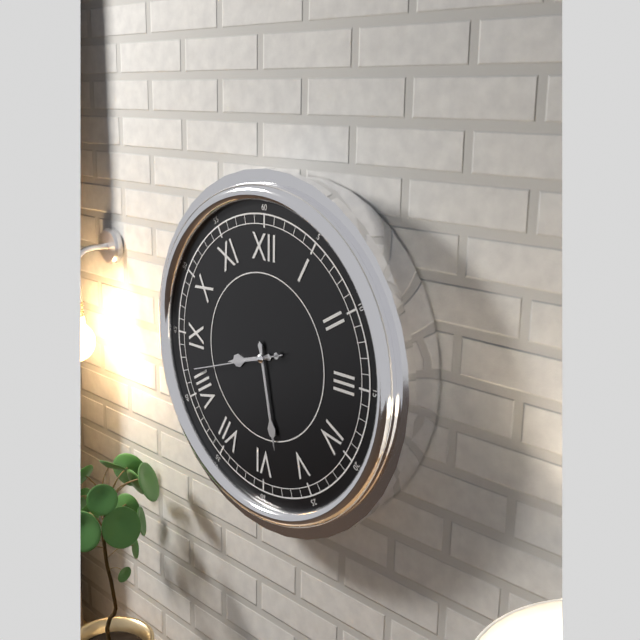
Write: 8h28m42s
